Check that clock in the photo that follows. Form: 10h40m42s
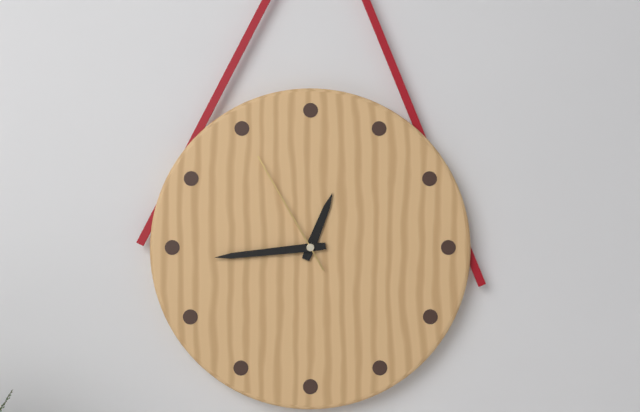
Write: 12h44m55s
